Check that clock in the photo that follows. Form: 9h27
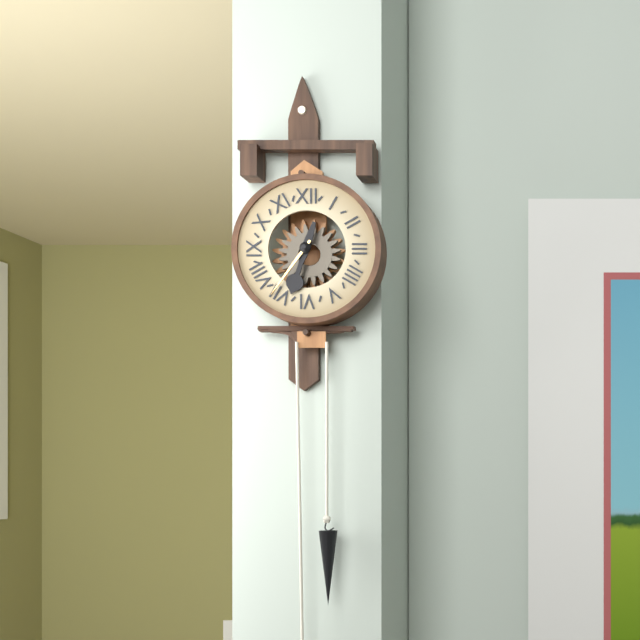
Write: 6h36
